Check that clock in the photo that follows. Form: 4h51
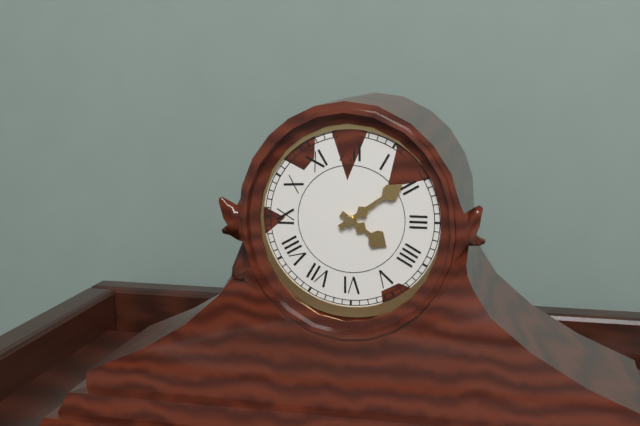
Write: 4h09
